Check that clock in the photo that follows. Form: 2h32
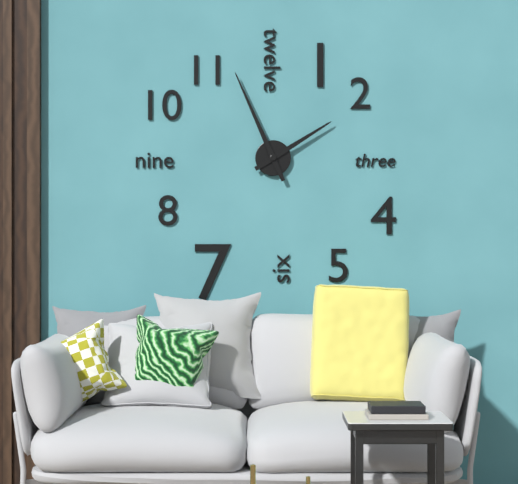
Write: 1h56
